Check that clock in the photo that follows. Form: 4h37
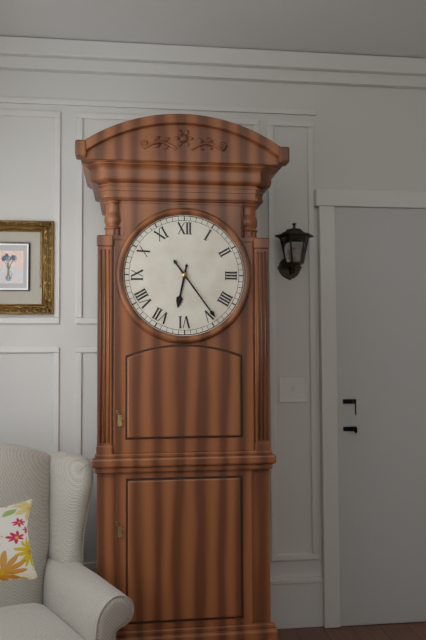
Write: 6h24
